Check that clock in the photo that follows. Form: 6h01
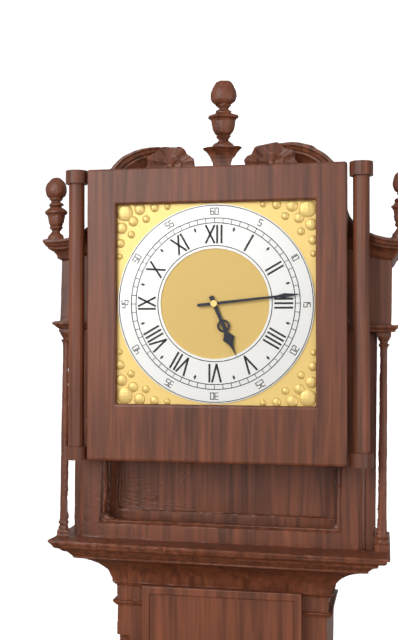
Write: 5h14
